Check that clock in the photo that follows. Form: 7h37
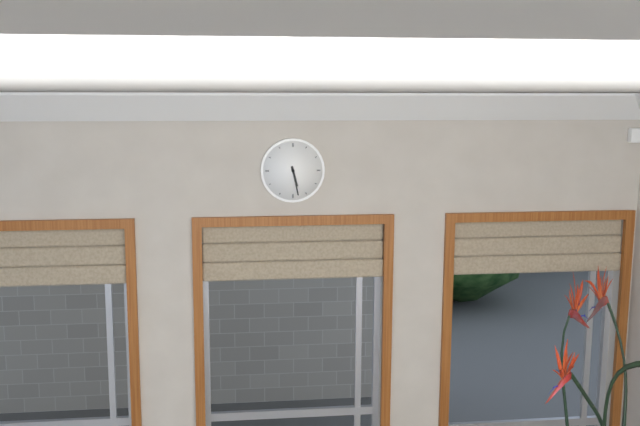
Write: 5h28
